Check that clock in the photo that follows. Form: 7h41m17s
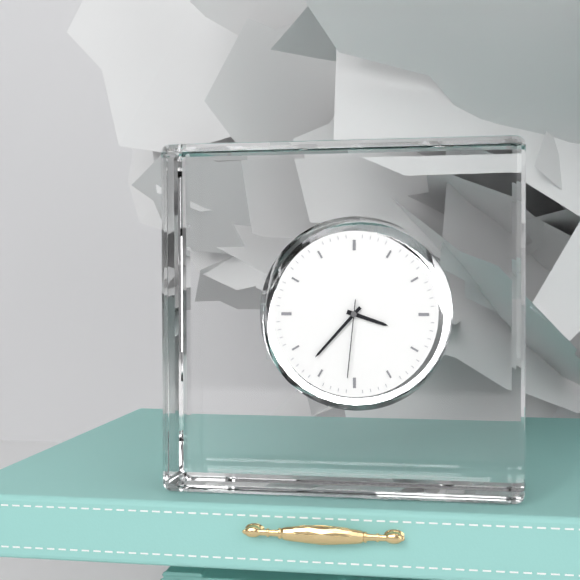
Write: 3h37m31s
